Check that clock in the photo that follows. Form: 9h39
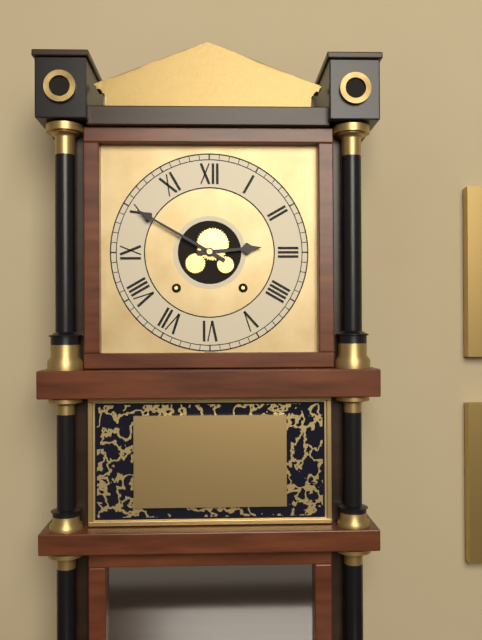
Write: 2h50
